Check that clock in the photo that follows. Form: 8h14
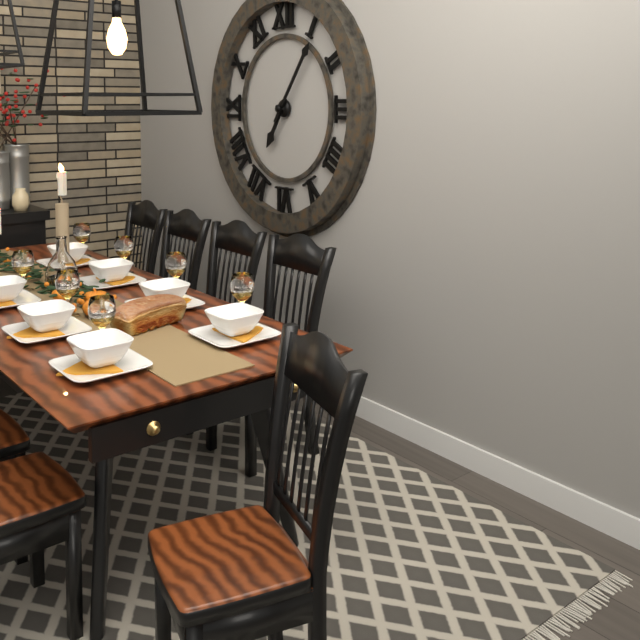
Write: 7h06
